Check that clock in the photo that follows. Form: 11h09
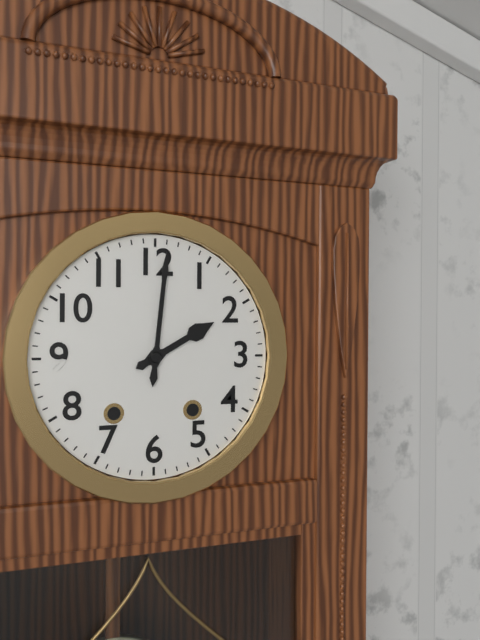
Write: 2h01
